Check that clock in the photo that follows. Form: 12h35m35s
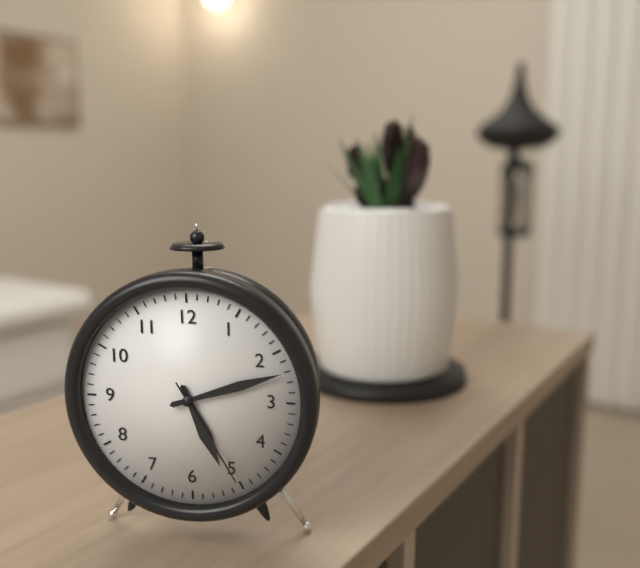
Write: 5h12m25s
